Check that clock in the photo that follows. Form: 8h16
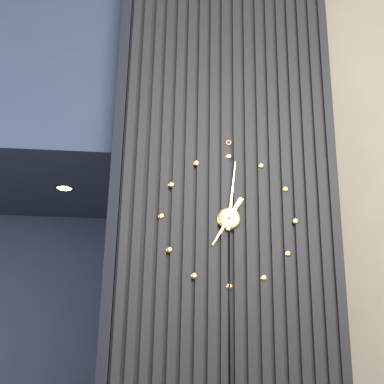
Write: 7h01
